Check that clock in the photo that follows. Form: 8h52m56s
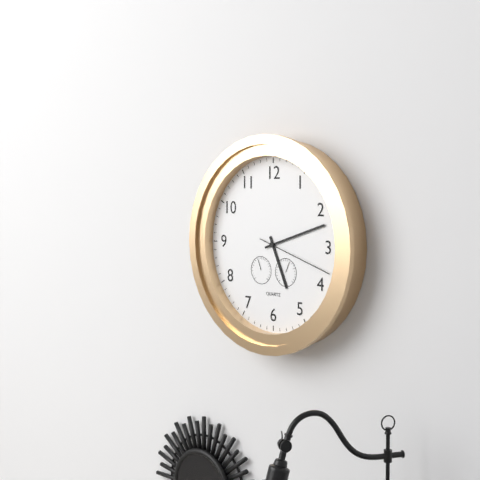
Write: 5h12m18s
